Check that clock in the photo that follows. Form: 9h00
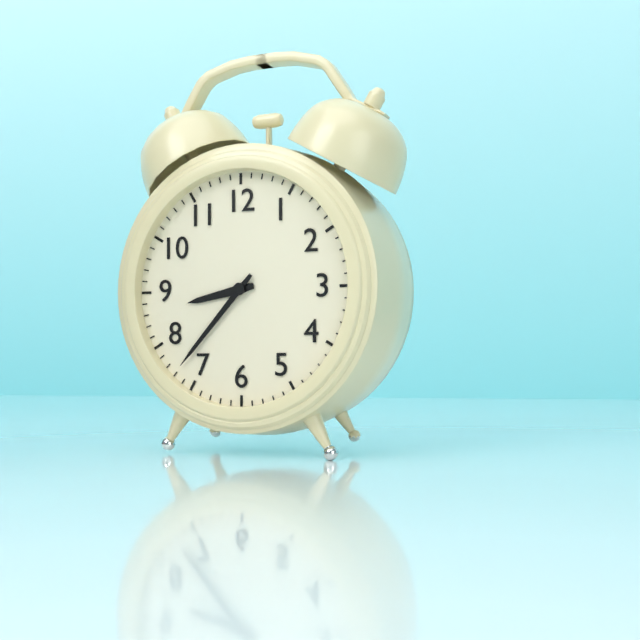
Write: 8h37
